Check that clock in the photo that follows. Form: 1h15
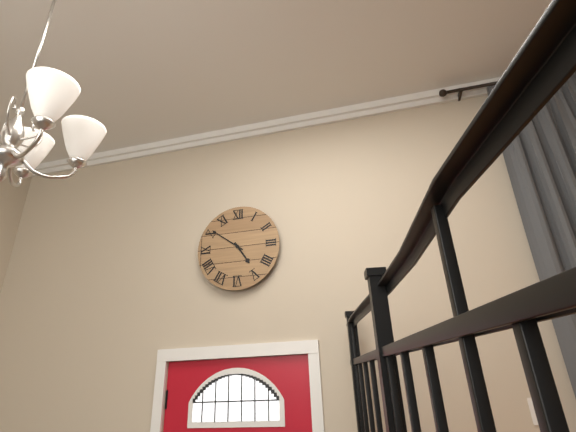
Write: 4h51
